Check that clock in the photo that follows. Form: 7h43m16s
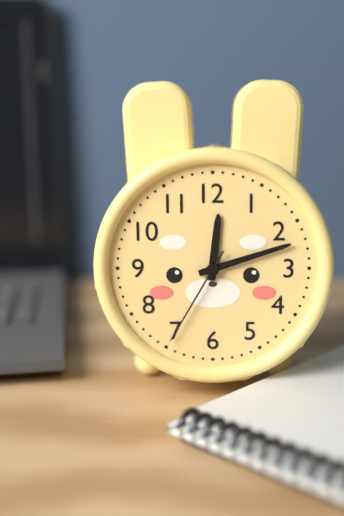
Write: 12h12m35s
